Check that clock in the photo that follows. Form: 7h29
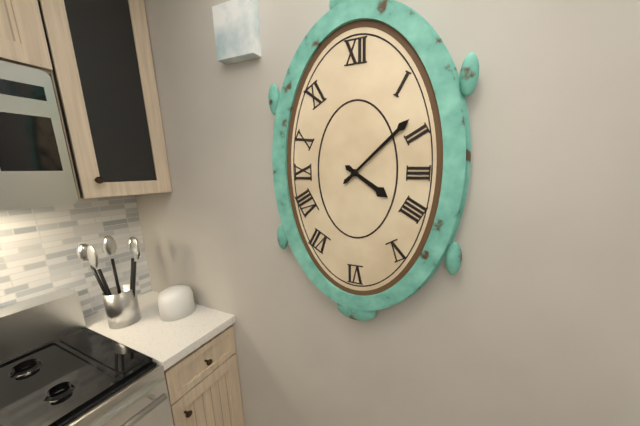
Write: 4h08
